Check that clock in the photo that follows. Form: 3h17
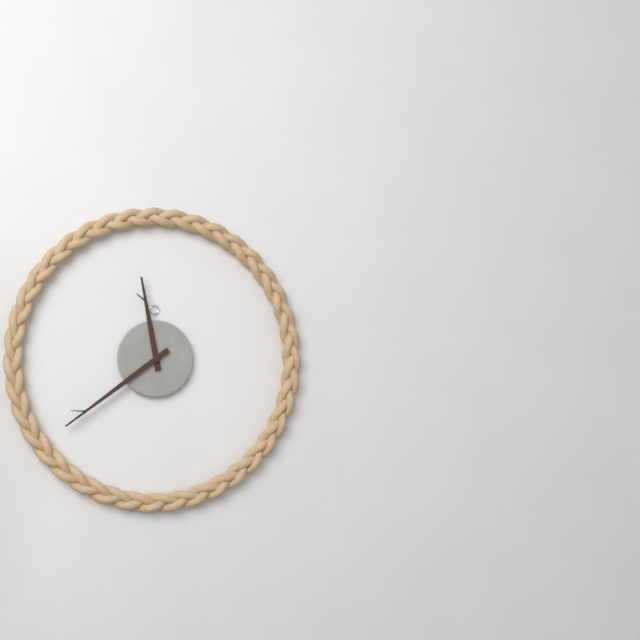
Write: 11h39
